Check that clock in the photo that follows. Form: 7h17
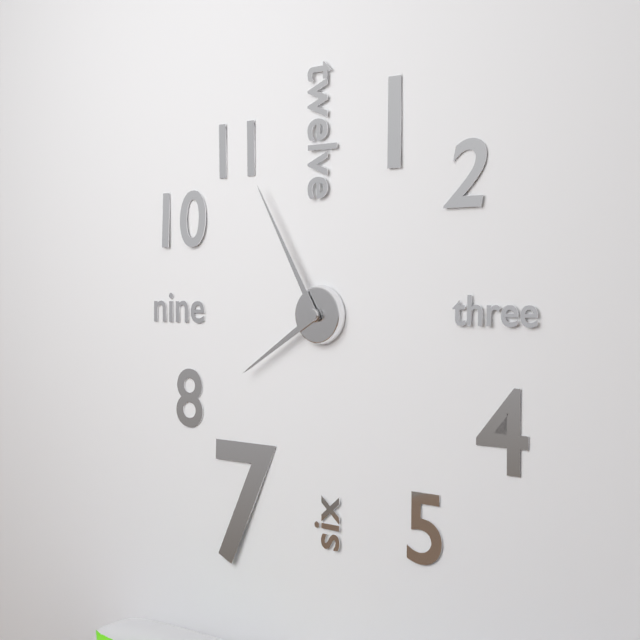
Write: 7h55
